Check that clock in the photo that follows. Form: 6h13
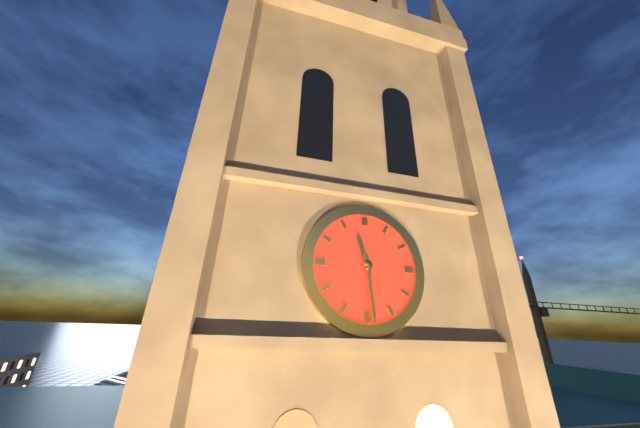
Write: 11h29
